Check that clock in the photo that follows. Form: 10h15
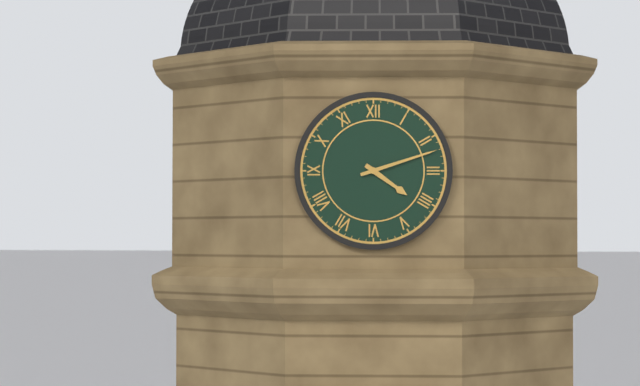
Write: 4h12
